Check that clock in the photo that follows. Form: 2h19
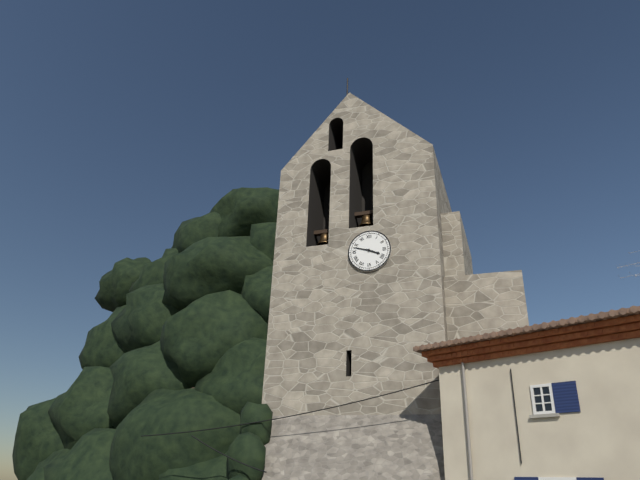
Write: 3h48
